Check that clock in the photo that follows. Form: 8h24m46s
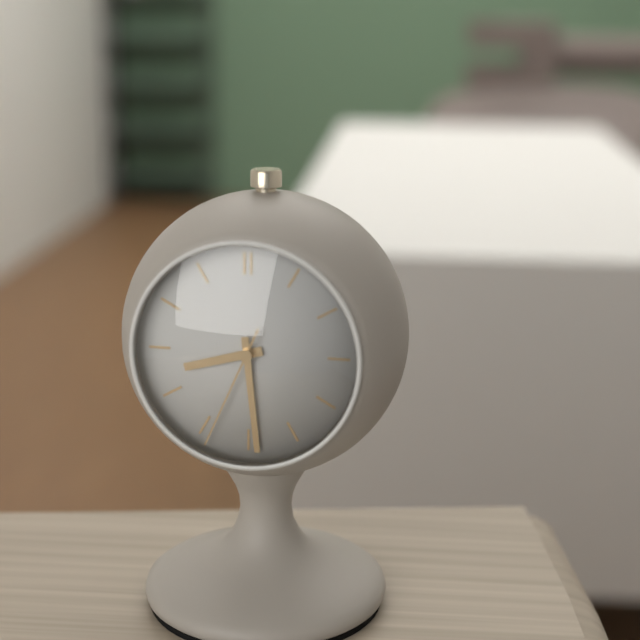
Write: 8h29m34s
